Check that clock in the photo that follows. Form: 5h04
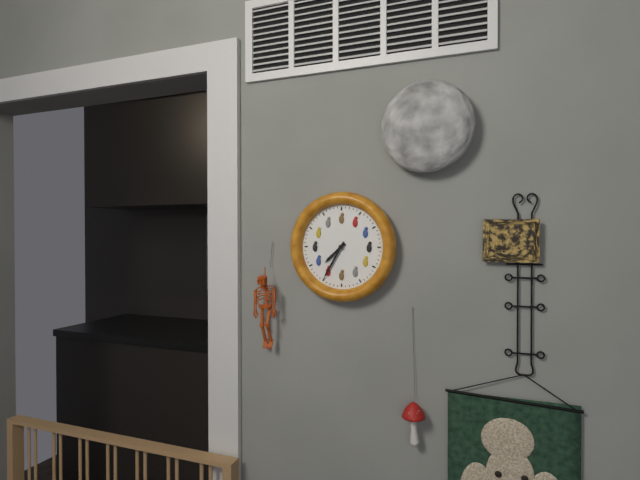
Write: 7h35
